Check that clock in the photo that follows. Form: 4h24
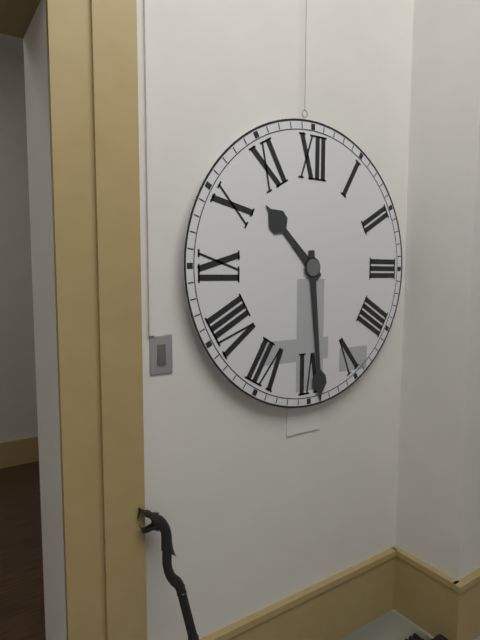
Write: 10h29
